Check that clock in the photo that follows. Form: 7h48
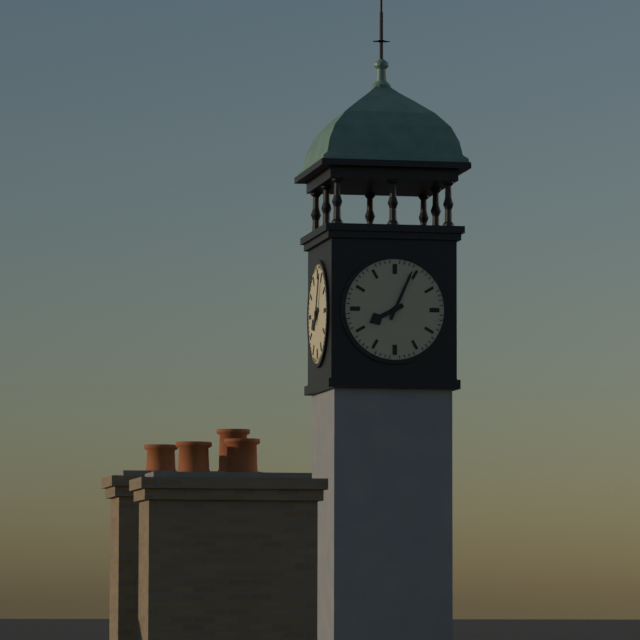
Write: 8h04
